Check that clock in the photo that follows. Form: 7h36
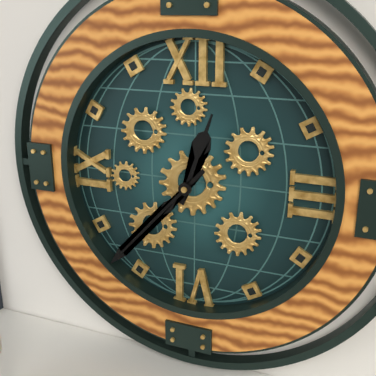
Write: 12h37
